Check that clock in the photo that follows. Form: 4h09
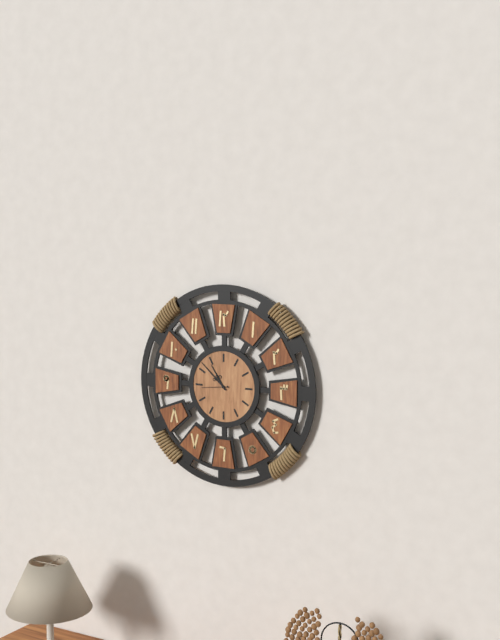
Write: 10h52
